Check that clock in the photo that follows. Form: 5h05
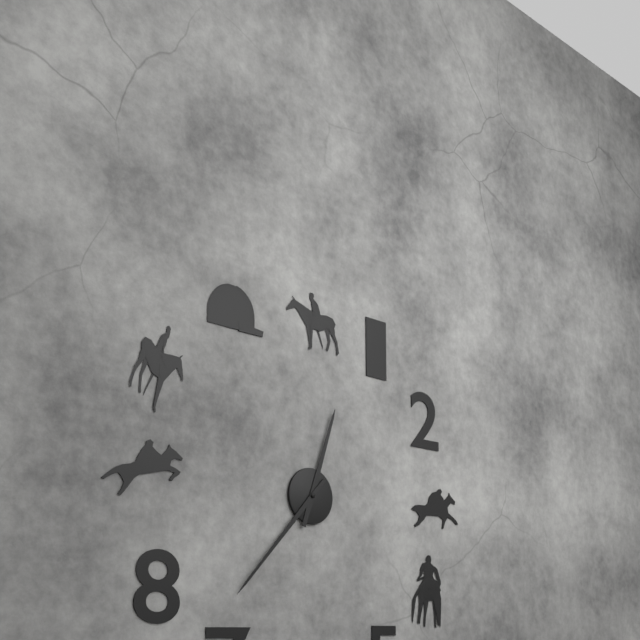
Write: 12h37
